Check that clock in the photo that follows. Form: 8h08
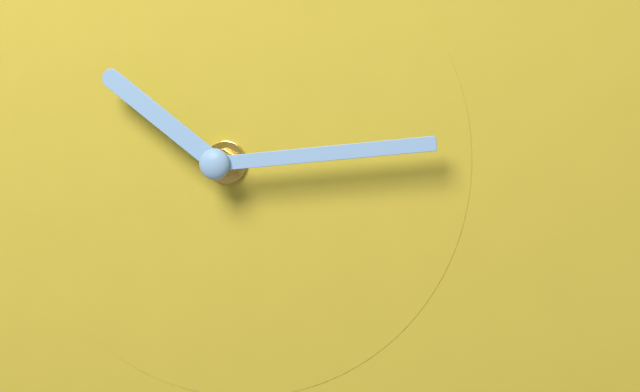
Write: 10h14
